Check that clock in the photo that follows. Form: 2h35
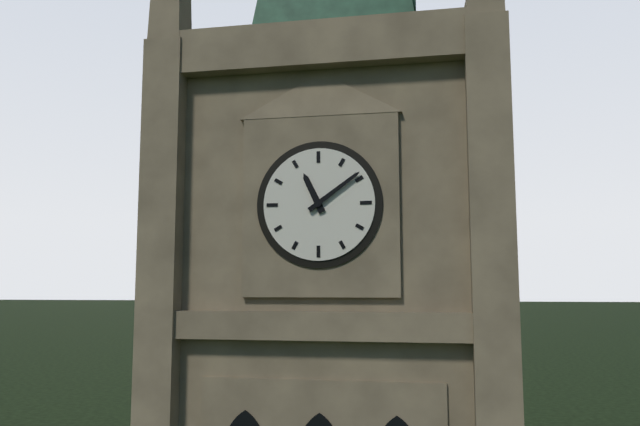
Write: 11h09
